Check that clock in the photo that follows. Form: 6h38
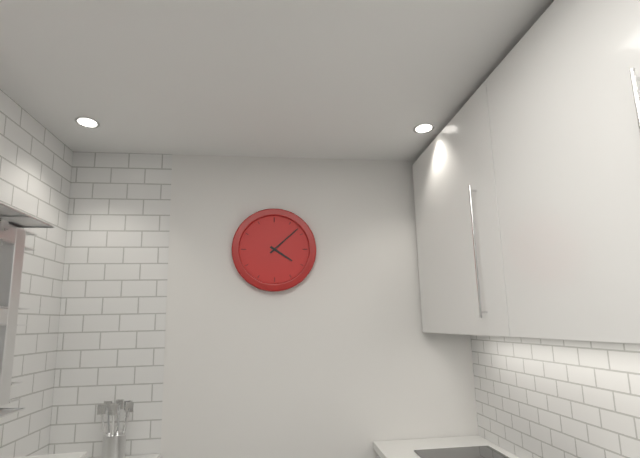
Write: 4h08
